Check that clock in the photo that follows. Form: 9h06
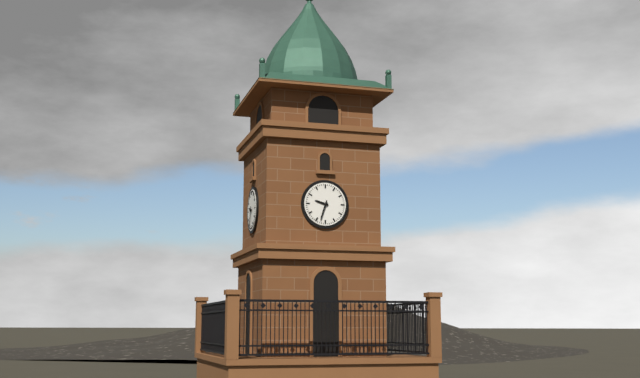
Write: 9h33
